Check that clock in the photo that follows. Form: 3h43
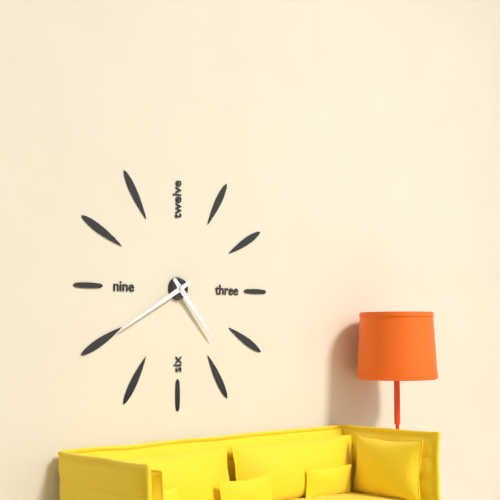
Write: 4h40
